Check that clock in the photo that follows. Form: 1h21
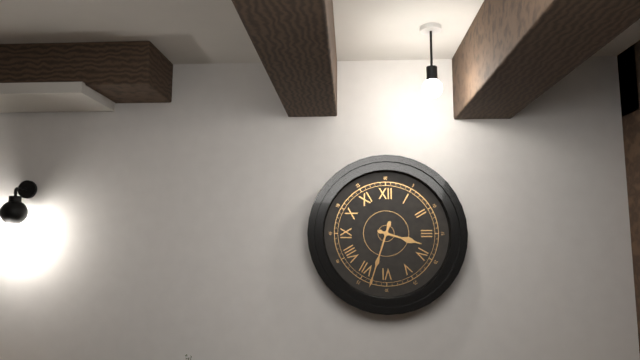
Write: 3h33
